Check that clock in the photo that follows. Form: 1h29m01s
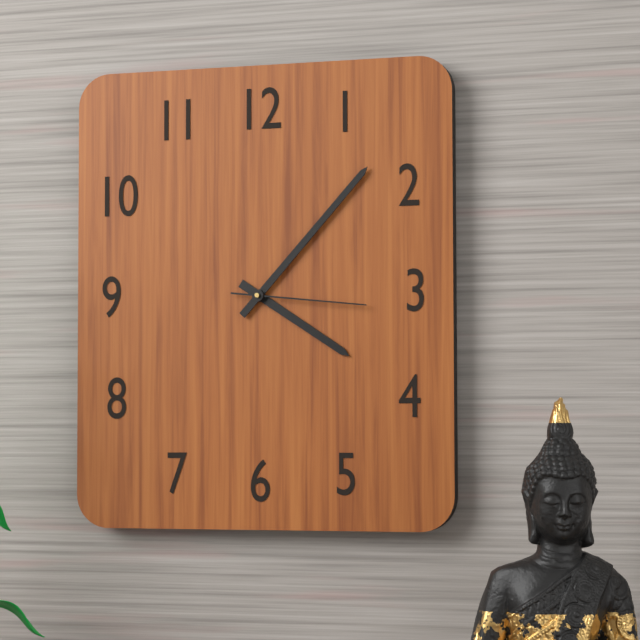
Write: 4h07m16s
